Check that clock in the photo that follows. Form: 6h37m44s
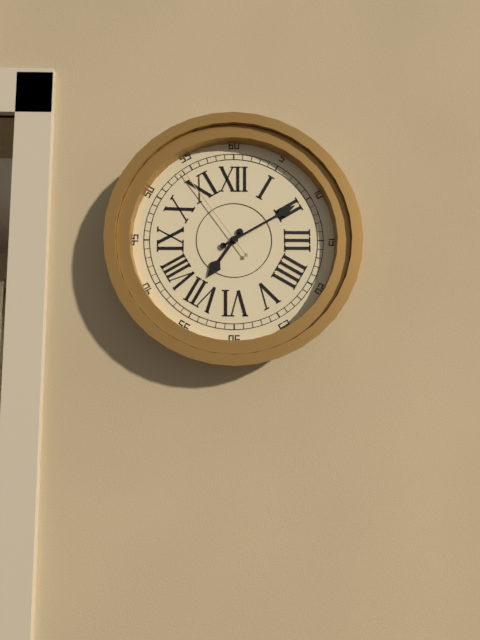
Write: 7h10m54s
